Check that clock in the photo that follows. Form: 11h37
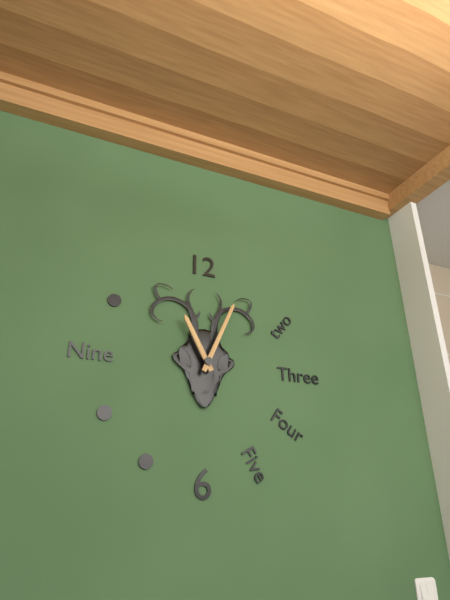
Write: 11h04
